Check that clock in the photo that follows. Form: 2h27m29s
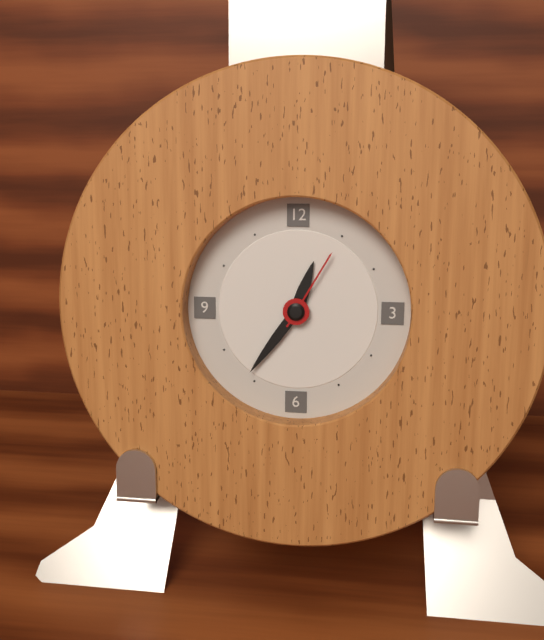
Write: 12h36m05s
